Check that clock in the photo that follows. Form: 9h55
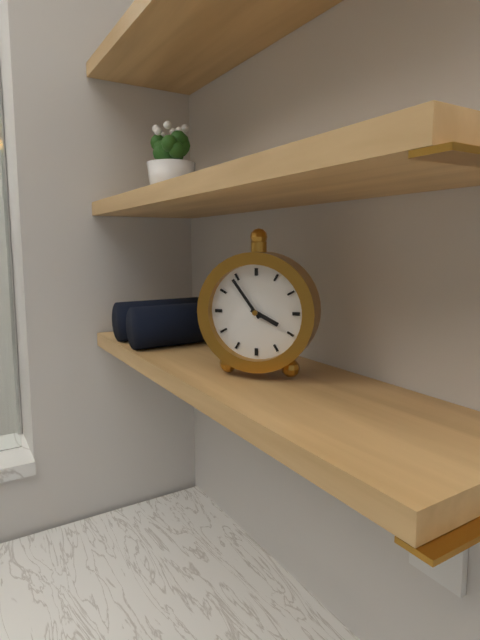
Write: 3h54
